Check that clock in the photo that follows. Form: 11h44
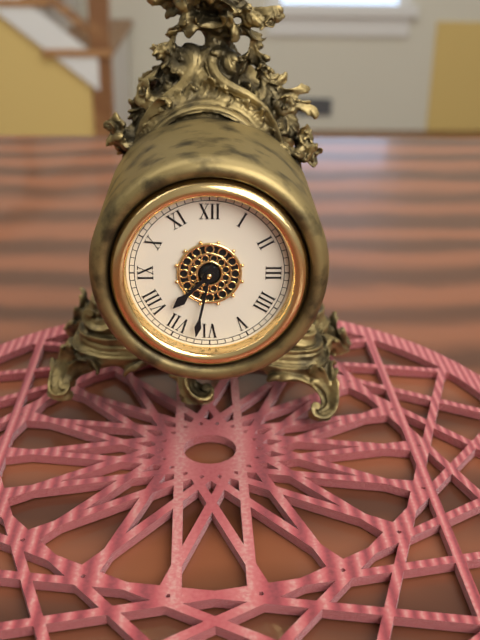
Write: 7h32
